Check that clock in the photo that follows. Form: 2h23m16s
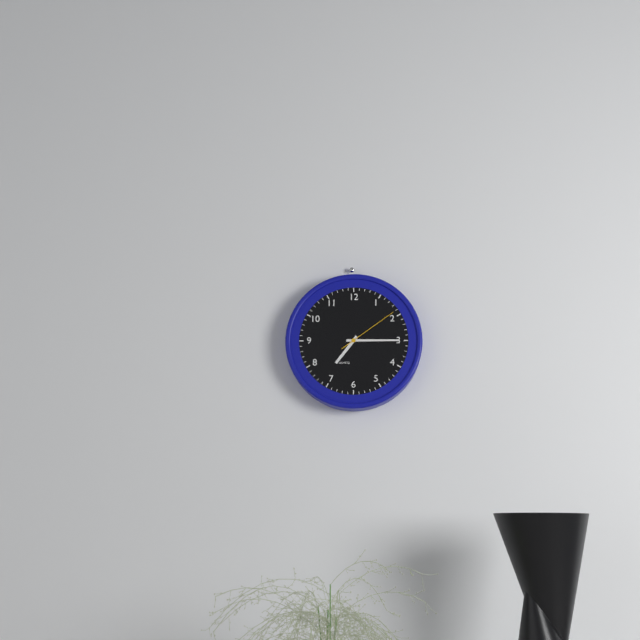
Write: 7h15m09s
